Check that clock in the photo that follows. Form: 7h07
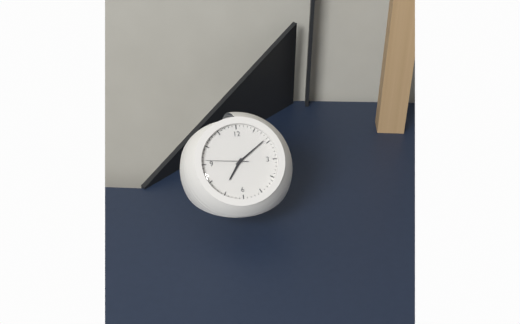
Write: 7h09
